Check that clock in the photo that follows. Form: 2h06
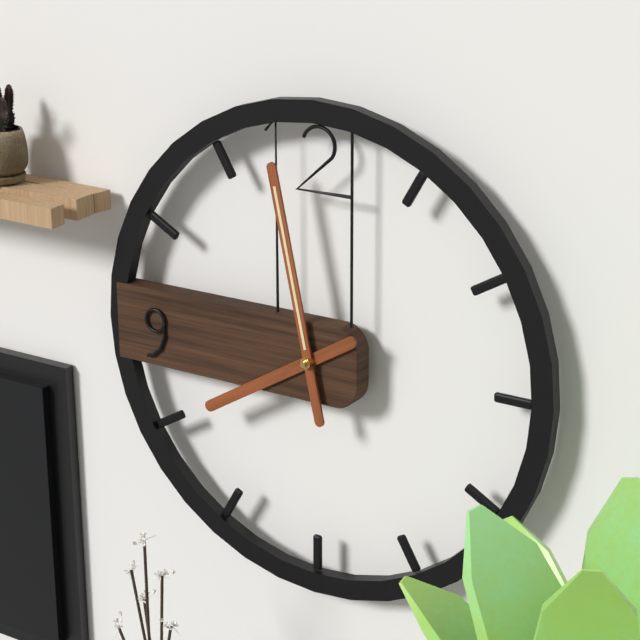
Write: 7h58
